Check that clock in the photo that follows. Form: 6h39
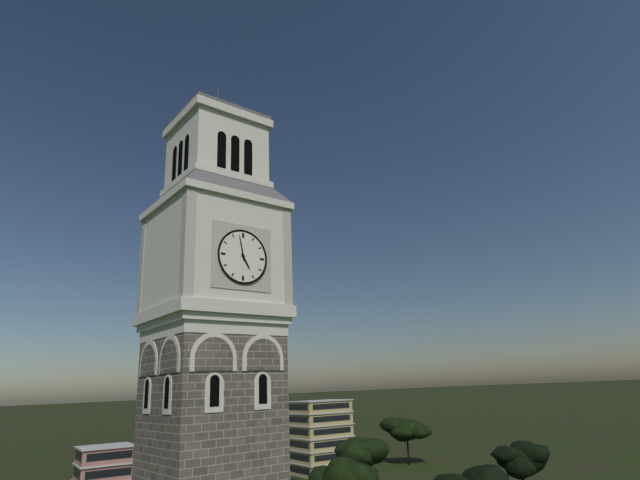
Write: 4h58
